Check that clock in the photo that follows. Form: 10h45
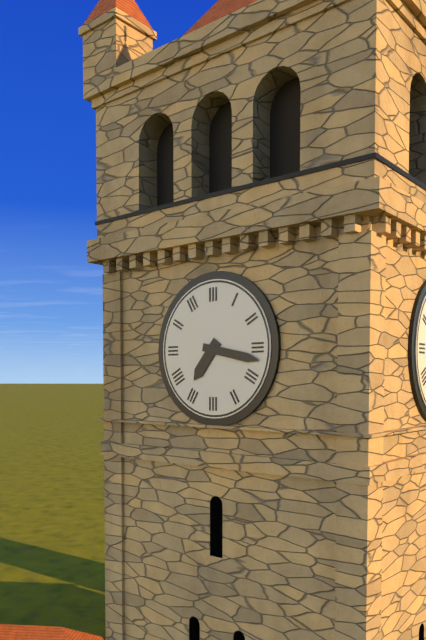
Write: 7h17
